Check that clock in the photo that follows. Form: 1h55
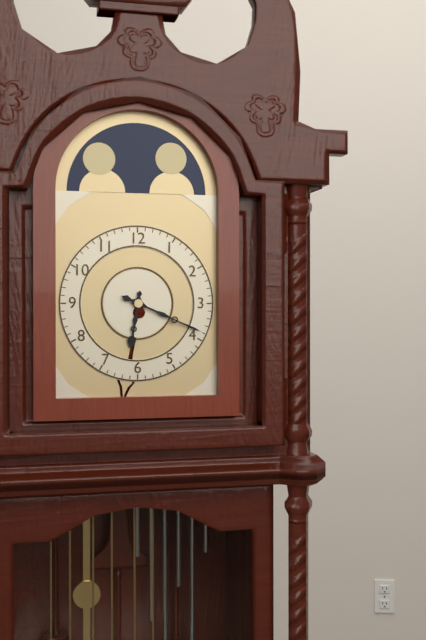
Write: 6h19
